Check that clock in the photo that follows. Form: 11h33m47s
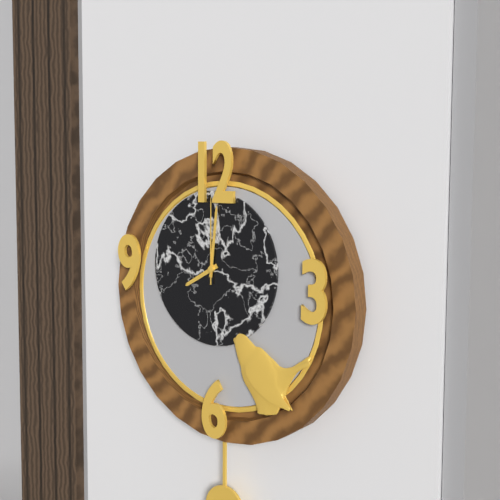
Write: 8h01m00s
